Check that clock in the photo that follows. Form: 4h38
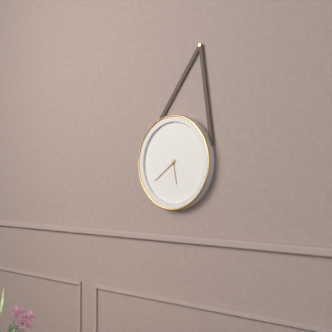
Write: 5h39
